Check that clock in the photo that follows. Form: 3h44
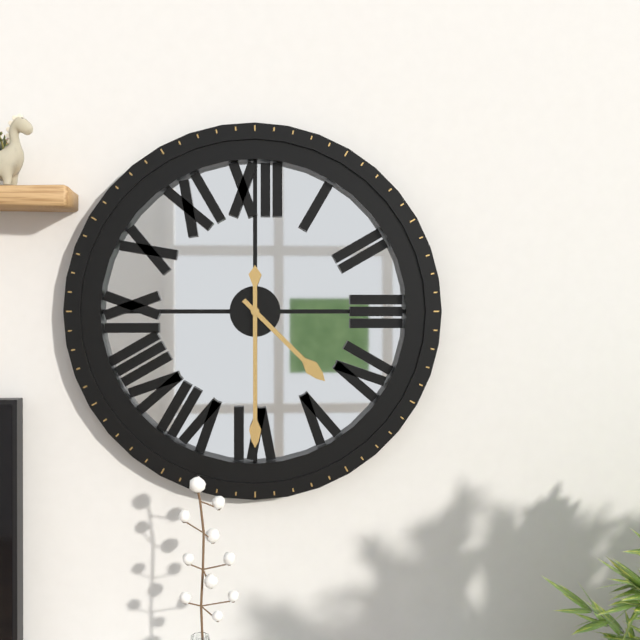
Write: 4h30
